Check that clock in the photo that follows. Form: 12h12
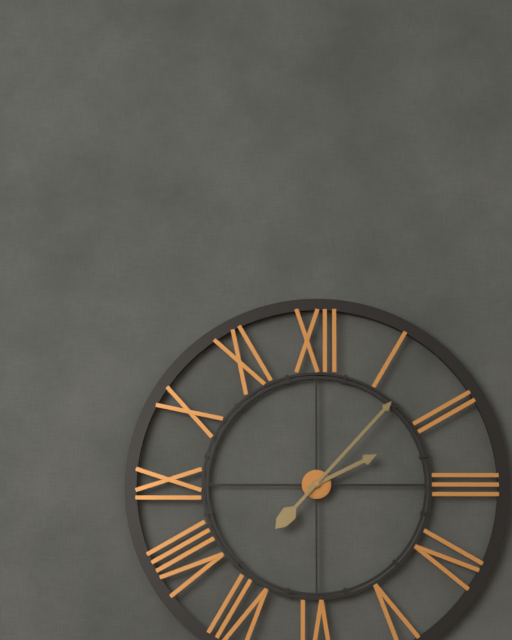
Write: 2h07
